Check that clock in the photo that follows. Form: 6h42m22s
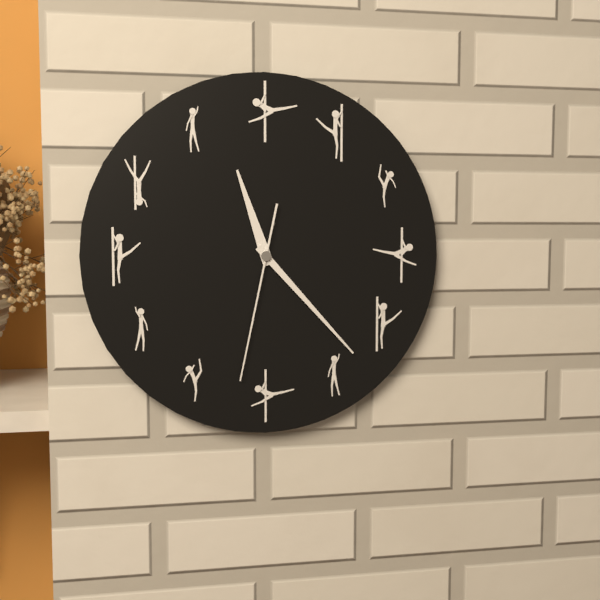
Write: 11h23m32s
